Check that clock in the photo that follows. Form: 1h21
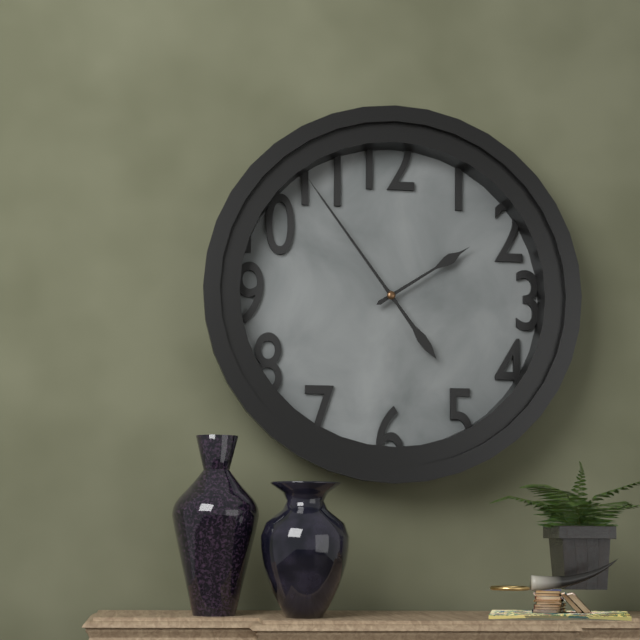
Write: 1h54
